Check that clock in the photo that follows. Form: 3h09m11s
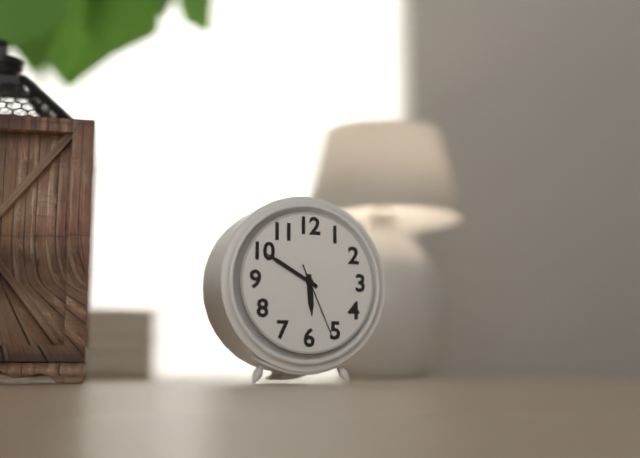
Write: 5h50m26s
